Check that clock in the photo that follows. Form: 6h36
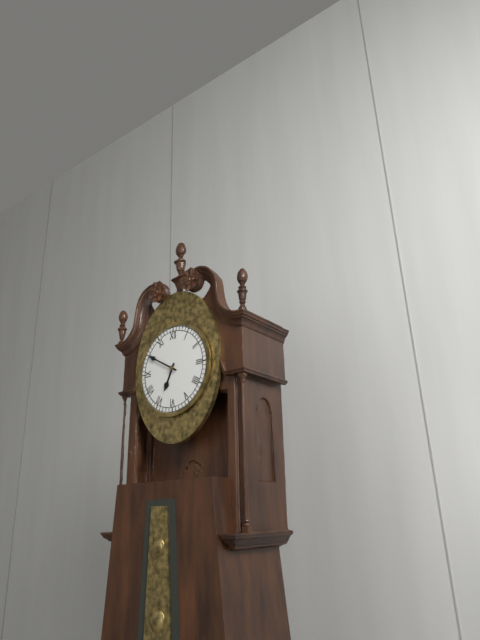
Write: 6h50
